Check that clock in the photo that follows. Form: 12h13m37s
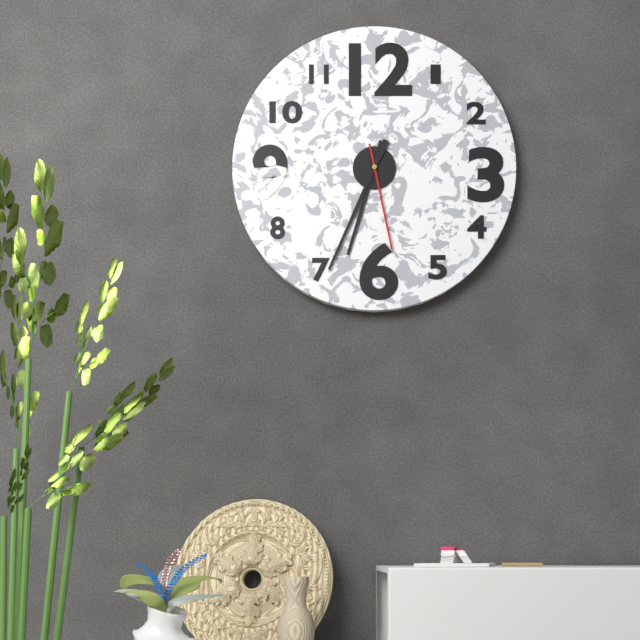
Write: 6h34m28s
